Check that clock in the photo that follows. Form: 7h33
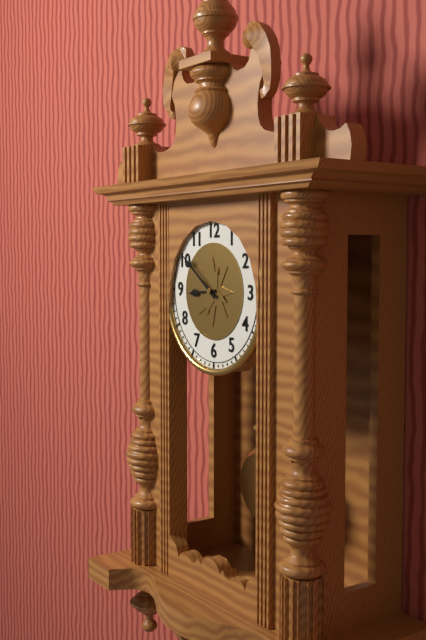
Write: 8h51
